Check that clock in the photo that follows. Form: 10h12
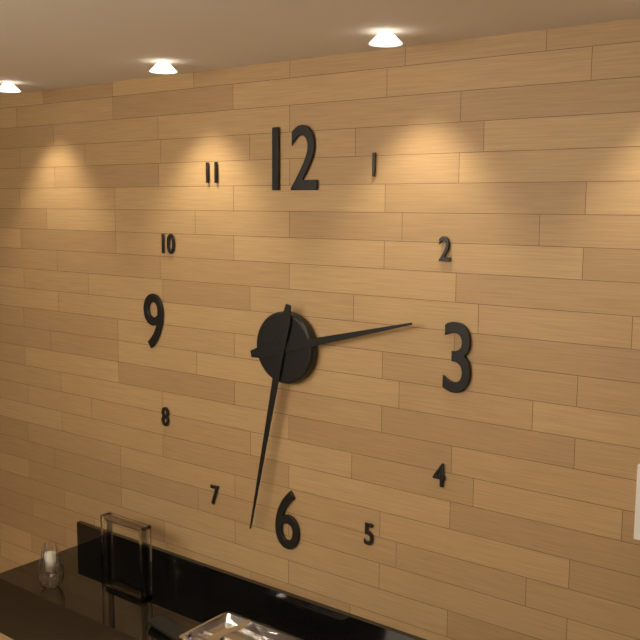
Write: 2h32
